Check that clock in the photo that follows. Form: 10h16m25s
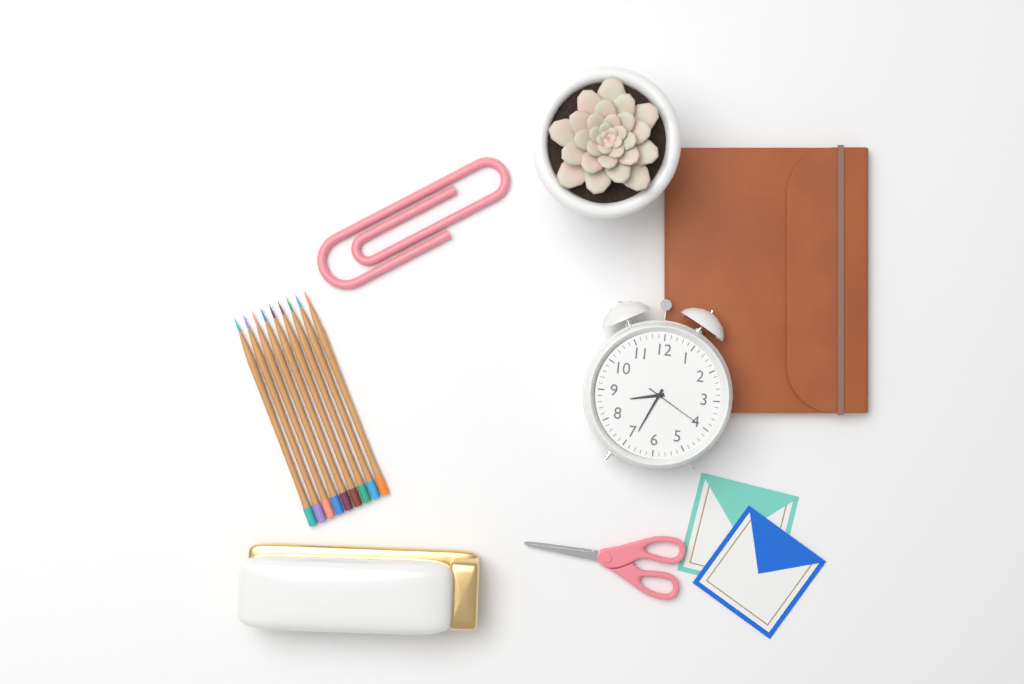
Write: 8h34m20s
